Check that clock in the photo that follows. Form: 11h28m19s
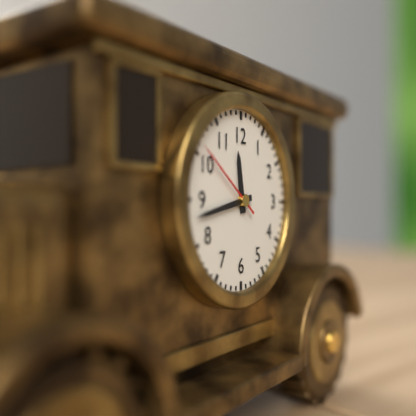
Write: 11h43m51s
